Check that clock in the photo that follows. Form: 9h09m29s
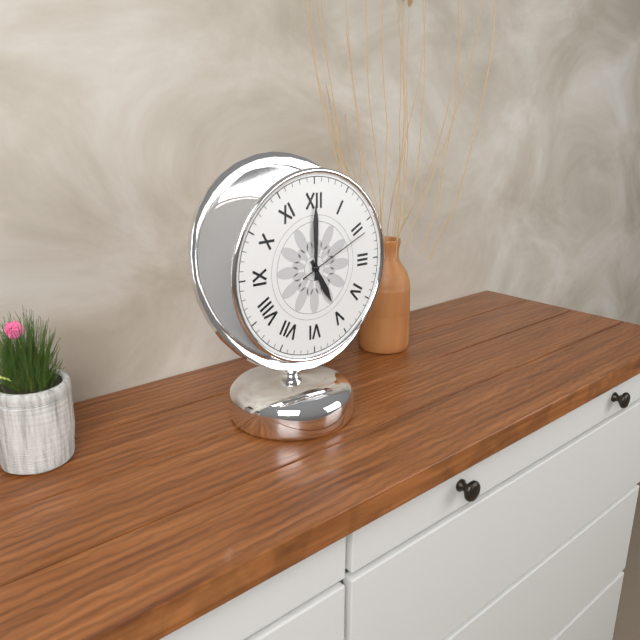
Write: 5h00m11s
